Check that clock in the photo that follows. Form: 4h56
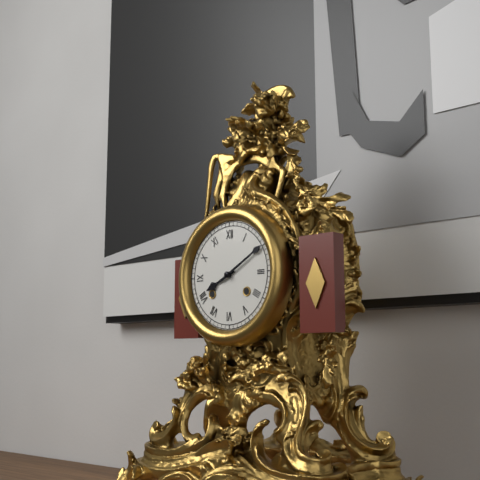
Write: 8h10
